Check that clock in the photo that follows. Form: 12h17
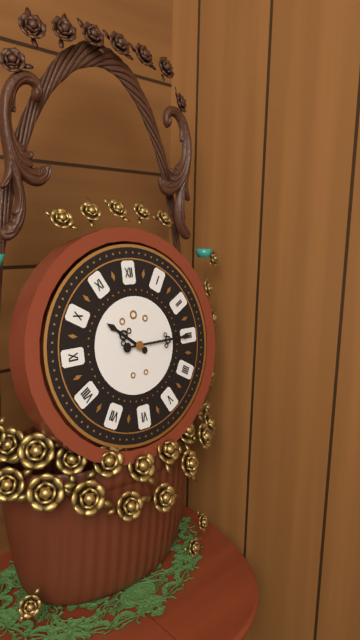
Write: 10h15
